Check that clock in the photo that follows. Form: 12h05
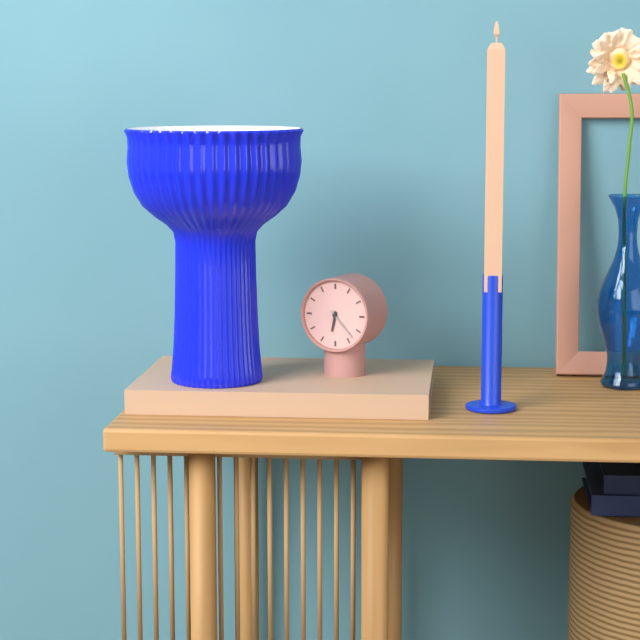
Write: 6h23
